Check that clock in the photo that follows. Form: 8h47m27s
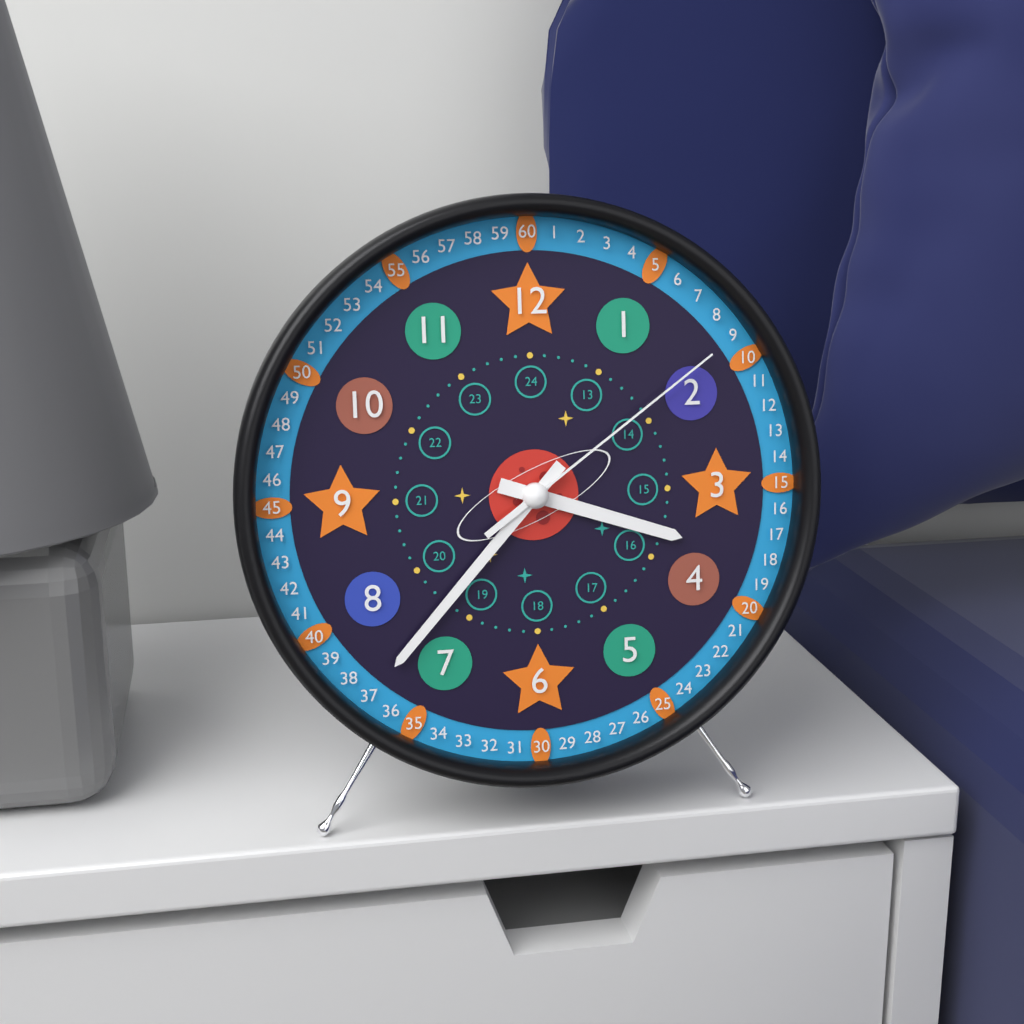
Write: 3h37m09s
